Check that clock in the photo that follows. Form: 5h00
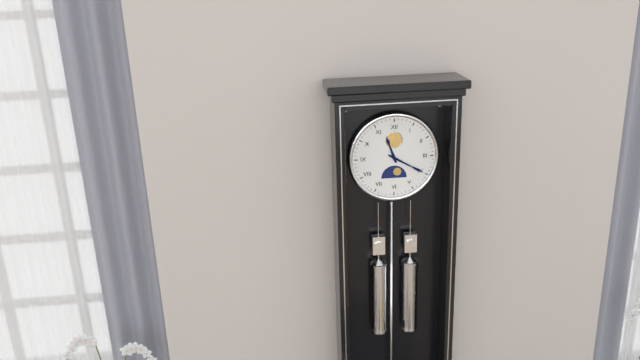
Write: 11h20
